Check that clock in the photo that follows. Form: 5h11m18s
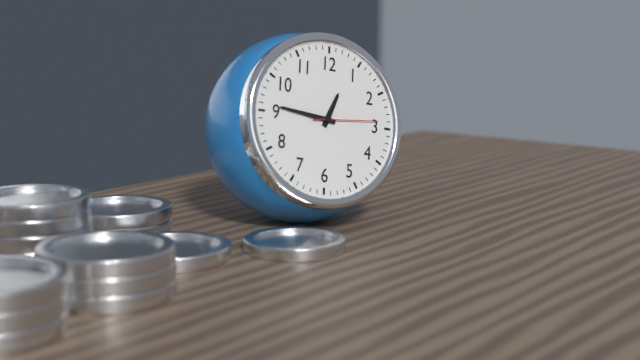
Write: 12h46m14s
